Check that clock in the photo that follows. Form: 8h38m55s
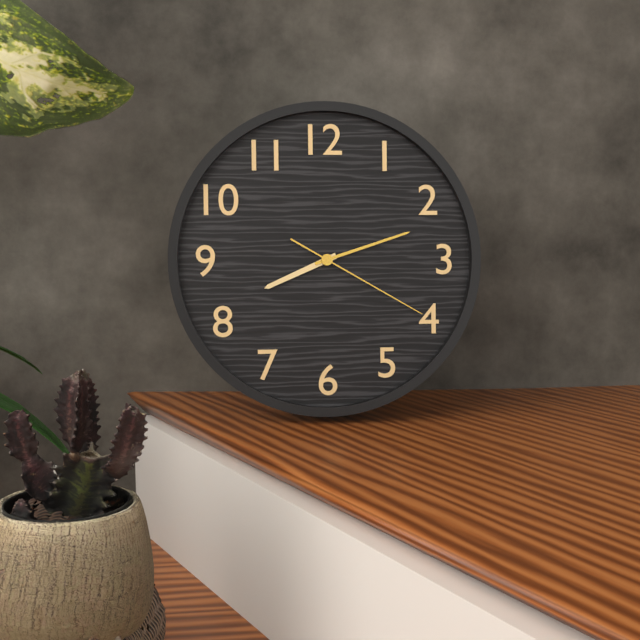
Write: 8h12m20s
